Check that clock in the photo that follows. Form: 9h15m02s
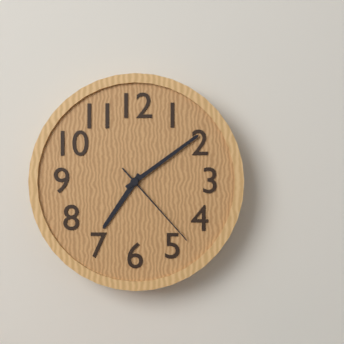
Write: 7h09m23s
